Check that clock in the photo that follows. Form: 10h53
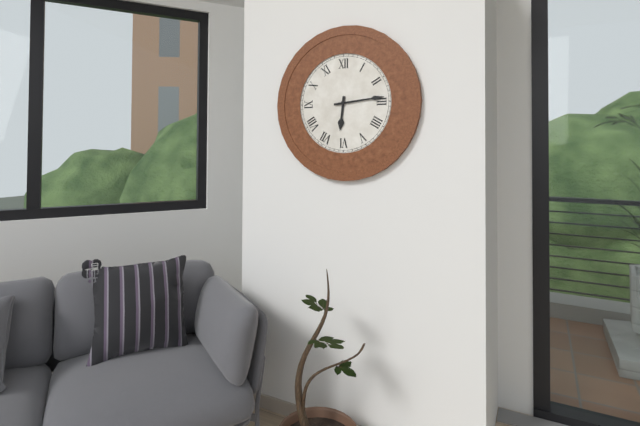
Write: 6h14
